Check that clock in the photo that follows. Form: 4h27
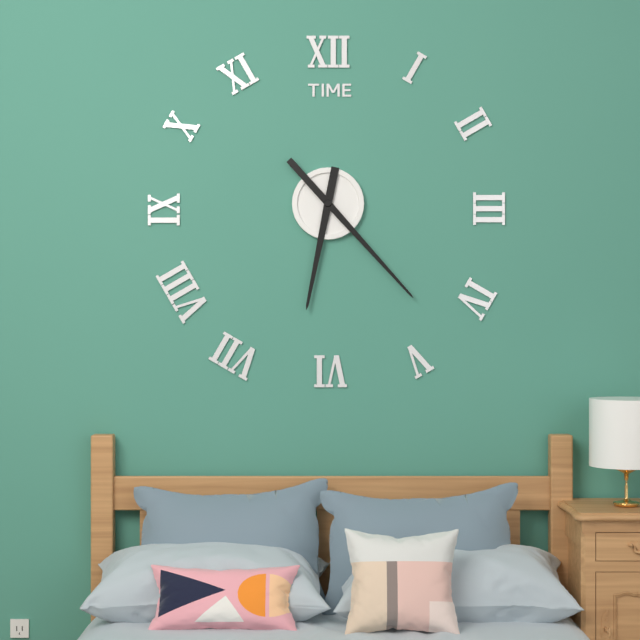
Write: 6h23
